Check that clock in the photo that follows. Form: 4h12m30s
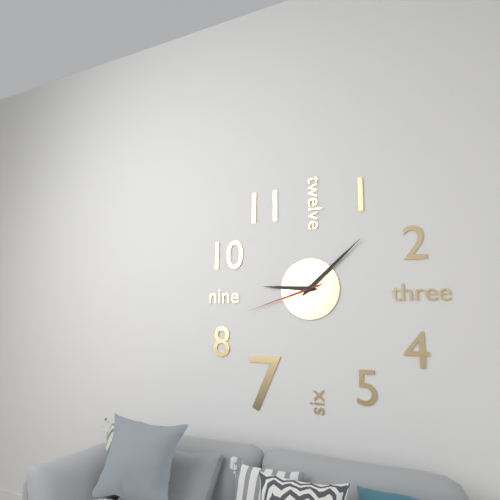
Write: 9h08m42s
